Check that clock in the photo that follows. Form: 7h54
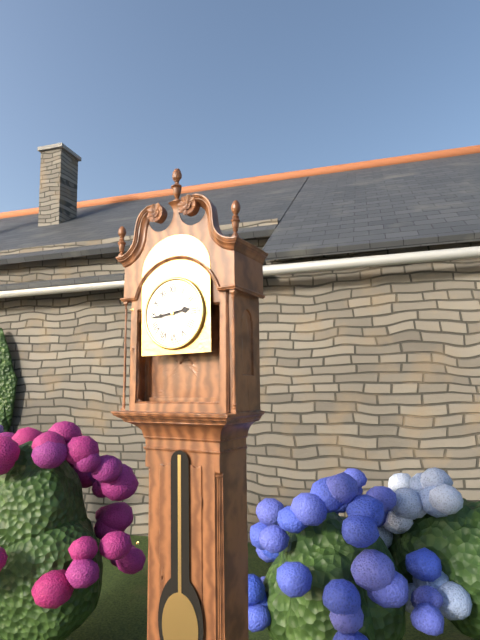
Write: 2h44
